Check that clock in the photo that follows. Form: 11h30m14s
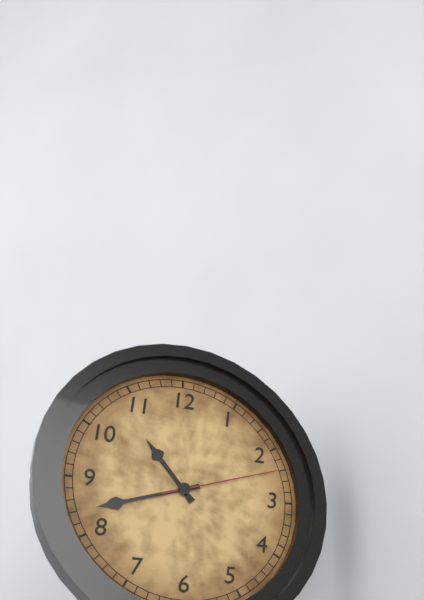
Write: 10h42m12s
